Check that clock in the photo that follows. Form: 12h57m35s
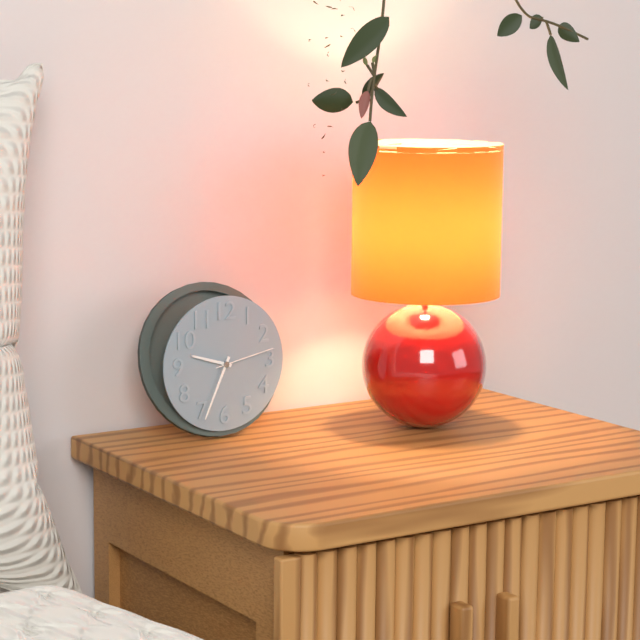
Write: 9h34m13s
